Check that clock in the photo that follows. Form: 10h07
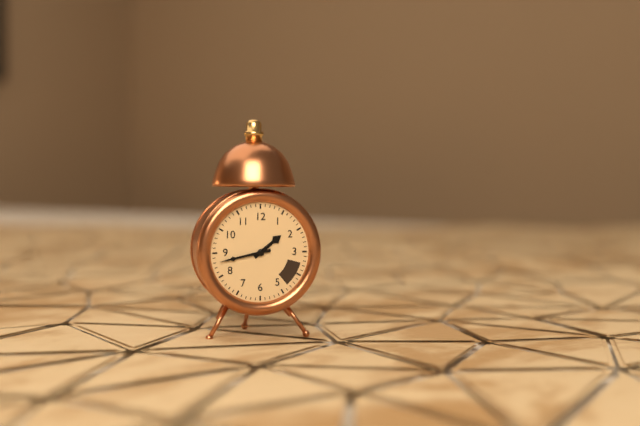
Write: 1h43
